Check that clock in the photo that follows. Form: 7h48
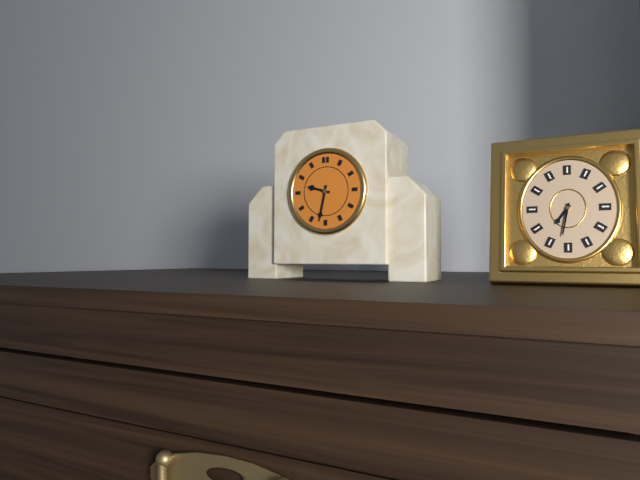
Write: 9h32
